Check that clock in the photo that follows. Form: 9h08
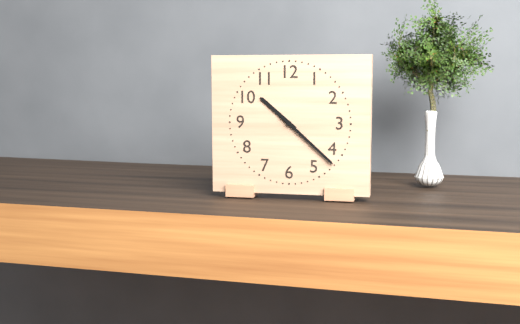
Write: 10h22
